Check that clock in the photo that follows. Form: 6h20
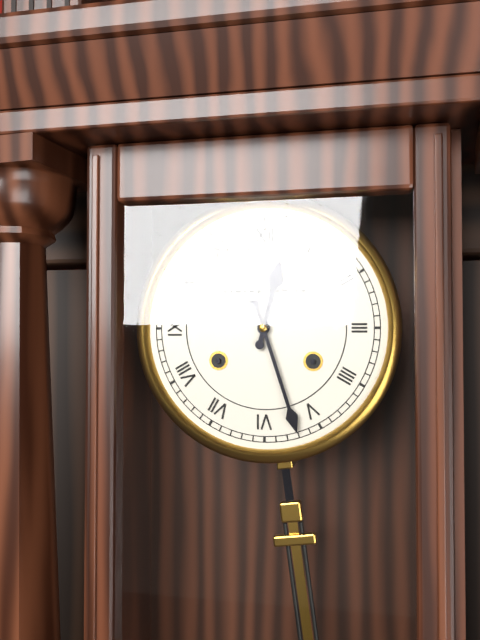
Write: 12h27
